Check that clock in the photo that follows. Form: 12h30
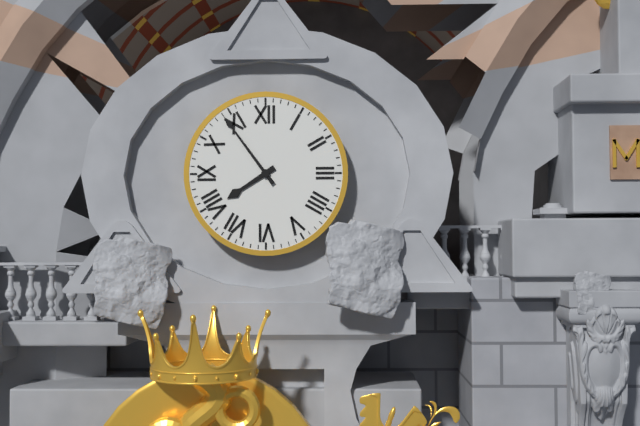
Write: 7h54
